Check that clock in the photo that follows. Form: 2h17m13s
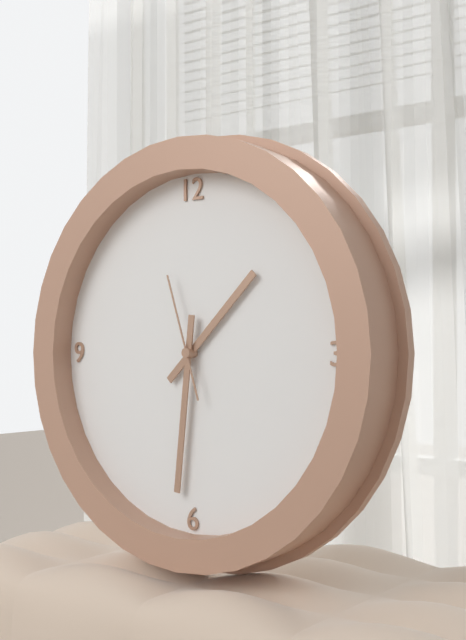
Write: 1h31m57s
